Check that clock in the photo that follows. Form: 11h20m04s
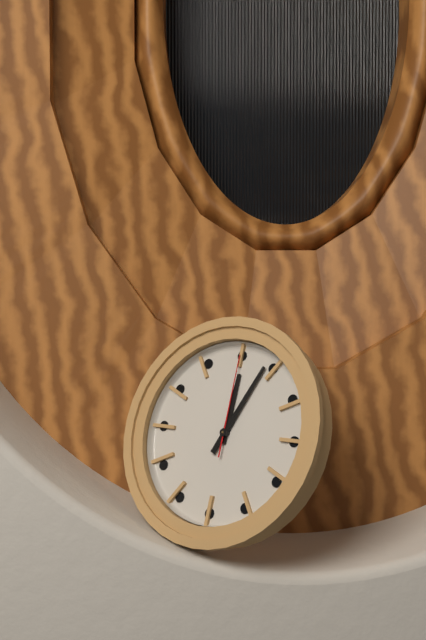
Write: 12h04m00s
